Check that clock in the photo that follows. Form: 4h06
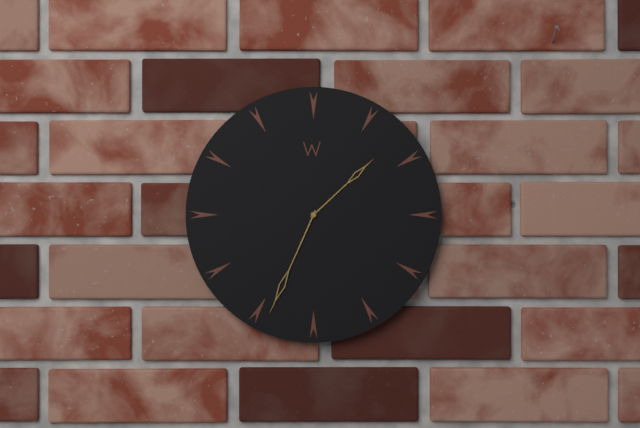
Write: 1h34
